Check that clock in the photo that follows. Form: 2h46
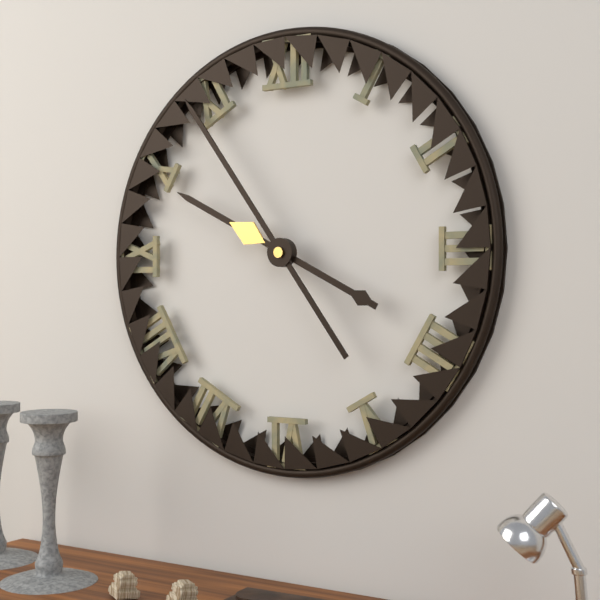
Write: 9h54
